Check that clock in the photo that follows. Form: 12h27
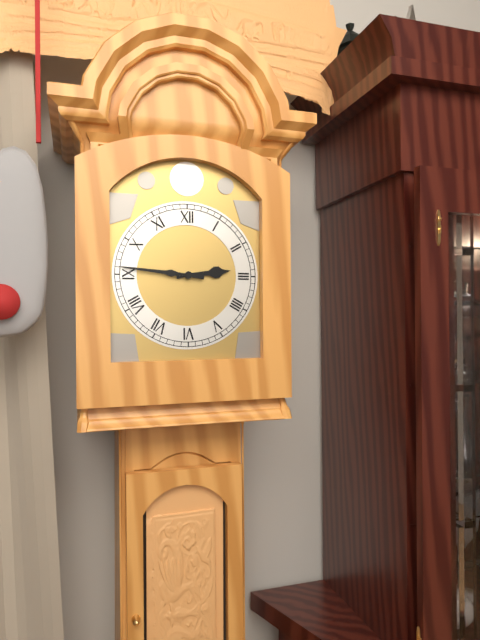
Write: 2h46
